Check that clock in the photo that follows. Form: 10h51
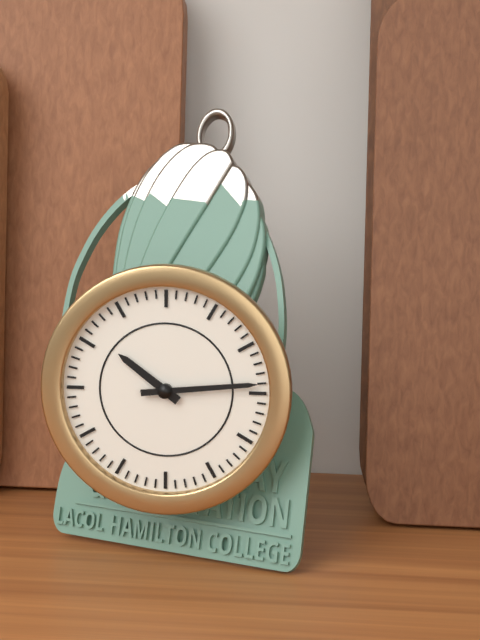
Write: 10h14
